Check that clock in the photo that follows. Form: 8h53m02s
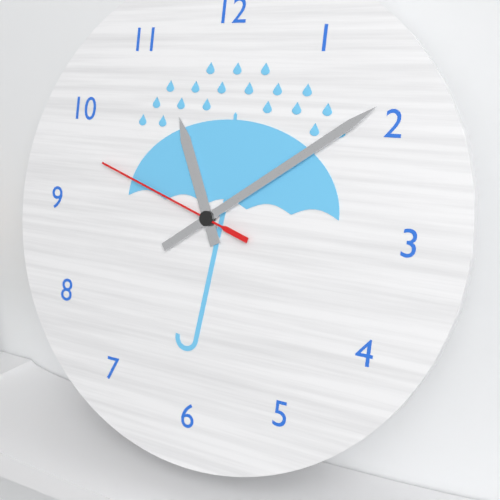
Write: 11h09m48s
